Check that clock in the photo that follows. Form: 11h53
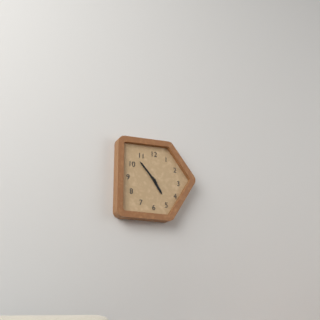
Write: 4h53
